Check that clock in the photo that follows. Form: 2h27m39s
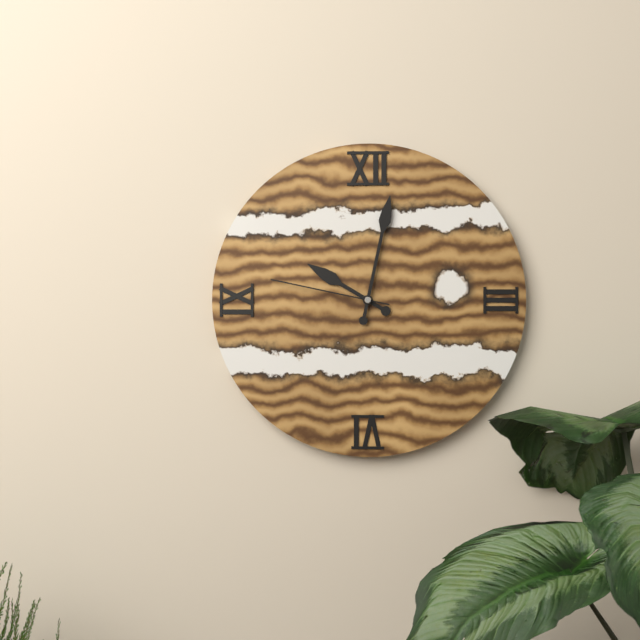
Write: 10h02m47s
